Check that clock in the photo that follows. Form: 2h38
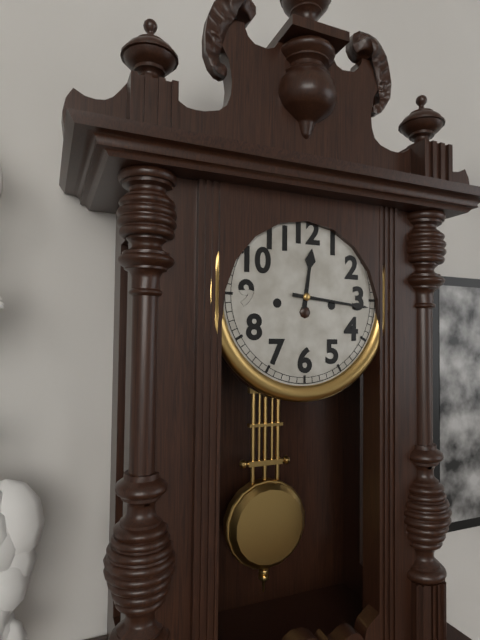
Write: 12h16
